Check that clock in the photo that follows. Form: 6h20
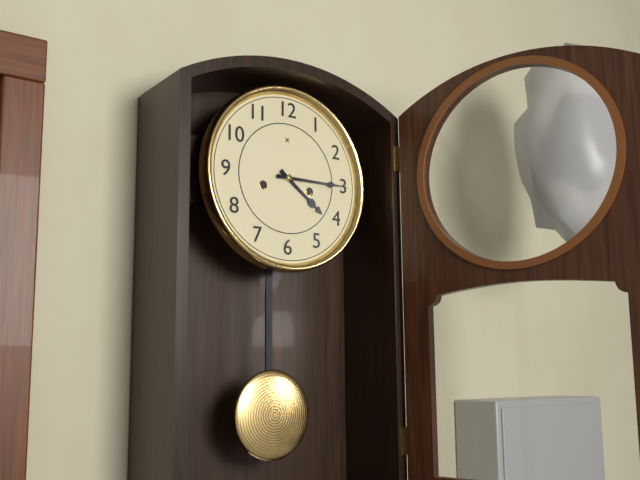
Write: 4h15
